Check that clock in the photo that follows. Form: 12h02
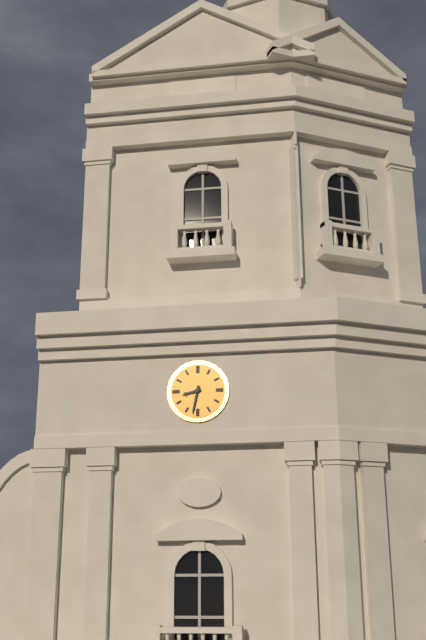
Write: 8h32
